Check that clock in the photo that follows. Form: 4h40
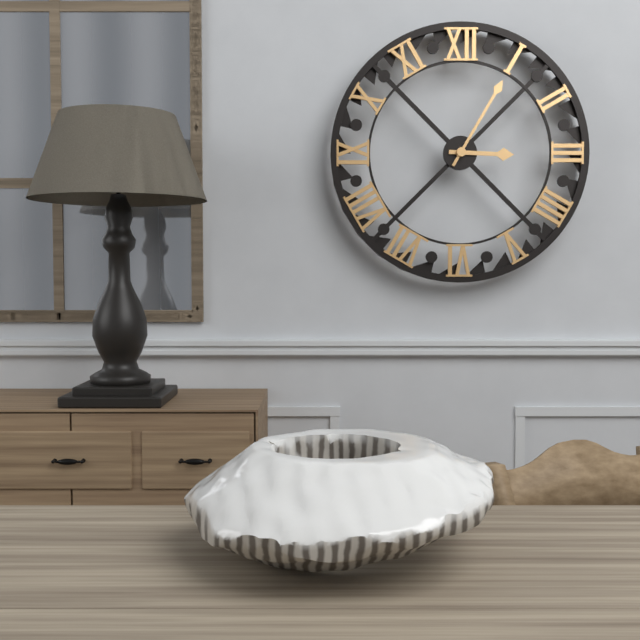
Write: 3h05
